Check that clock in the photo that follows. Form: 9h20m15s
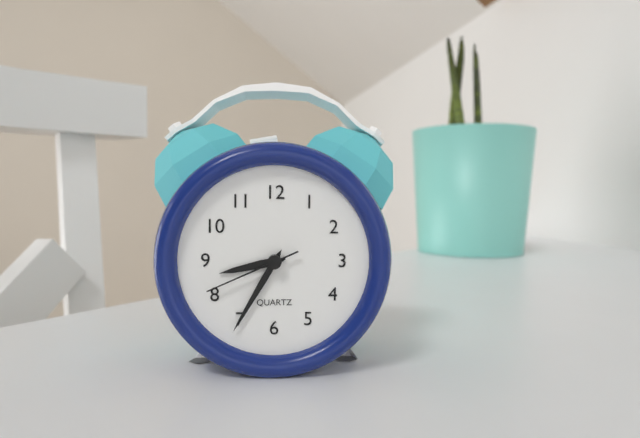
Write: 8h35m41s
